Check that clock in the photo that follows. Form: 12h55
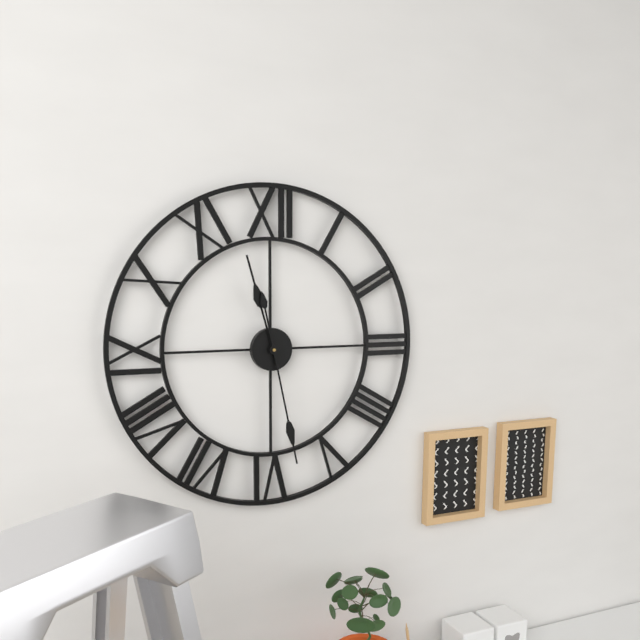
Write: 11h28
